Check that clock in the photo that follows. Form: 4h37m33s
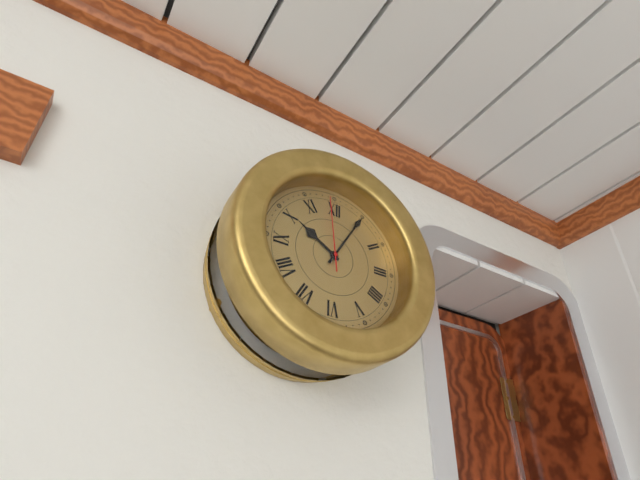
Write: 10h05m59s
